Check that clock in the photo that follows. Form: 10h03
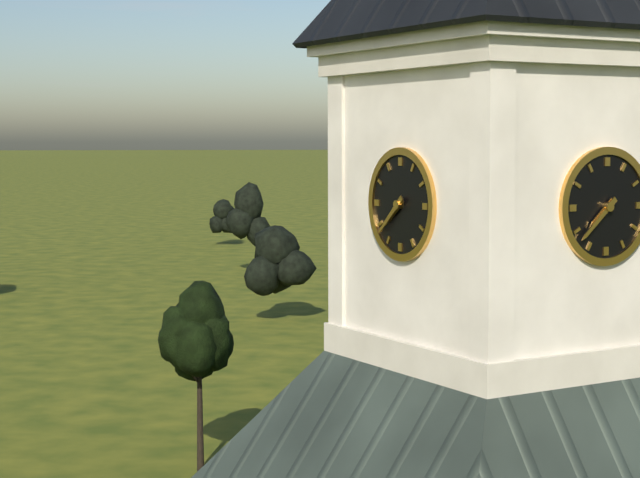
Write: 7h38
